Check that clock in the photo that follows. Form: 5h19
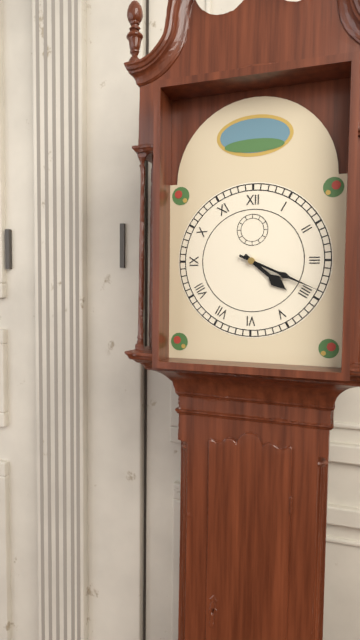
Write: 4h19
